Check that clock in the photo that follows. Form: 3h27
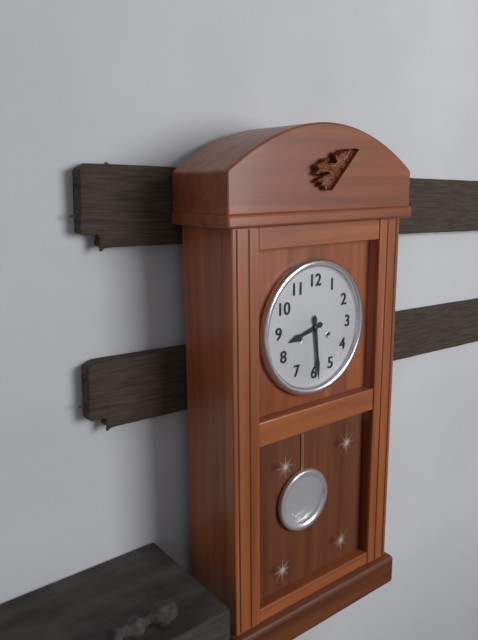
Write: 8h29
